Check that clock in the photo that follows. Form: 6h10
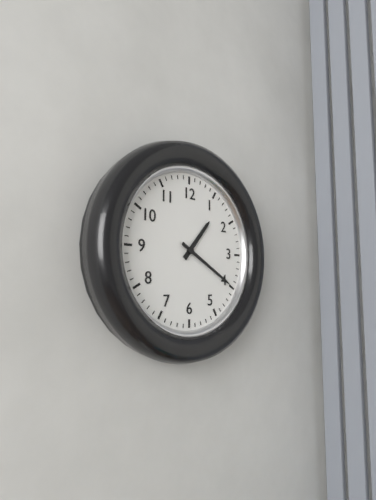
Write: 1h20
